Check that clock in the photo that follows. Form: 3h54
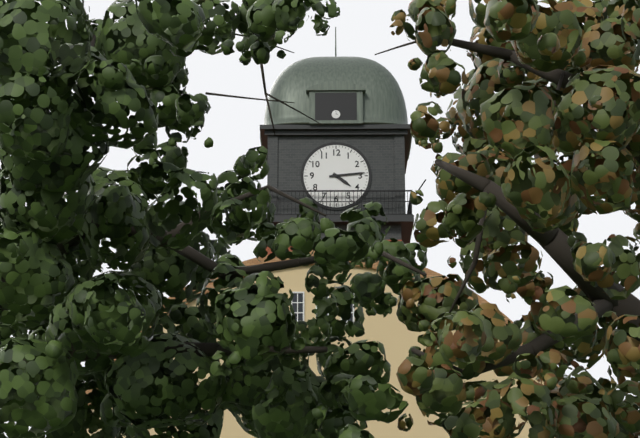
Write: 4h14
